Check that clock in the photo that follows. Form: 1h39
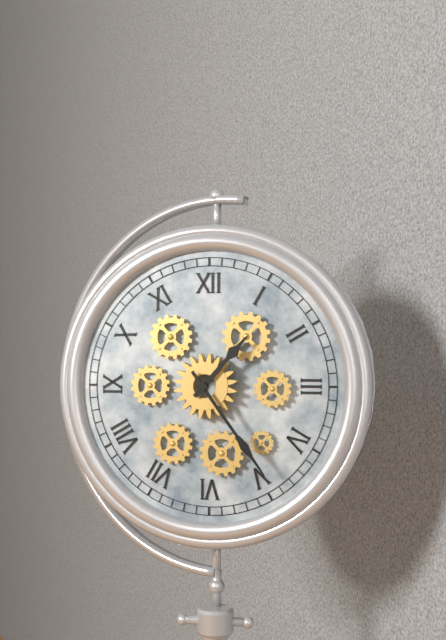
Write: 1h24
